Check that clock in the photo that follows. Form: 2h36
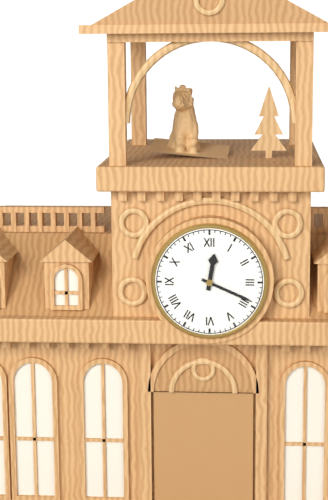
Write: 12h19
